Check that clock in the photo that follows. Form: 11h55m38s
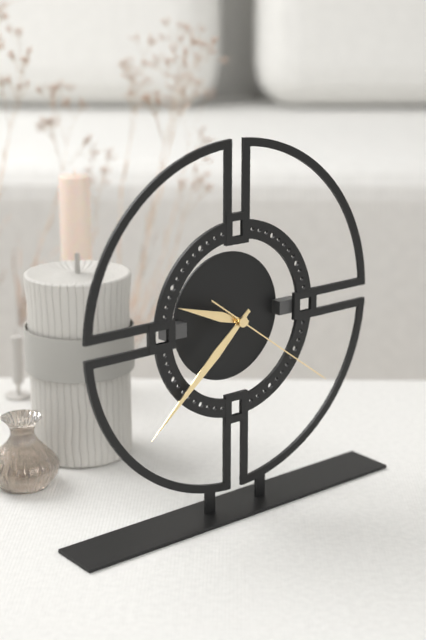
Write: 9h38m21s
